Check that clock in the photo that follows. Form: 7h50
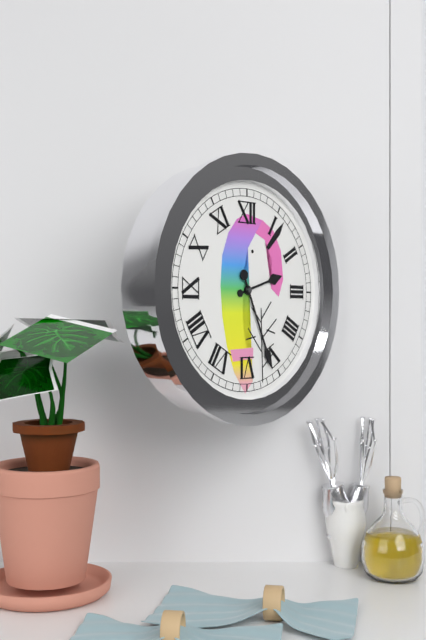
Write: 2h26
